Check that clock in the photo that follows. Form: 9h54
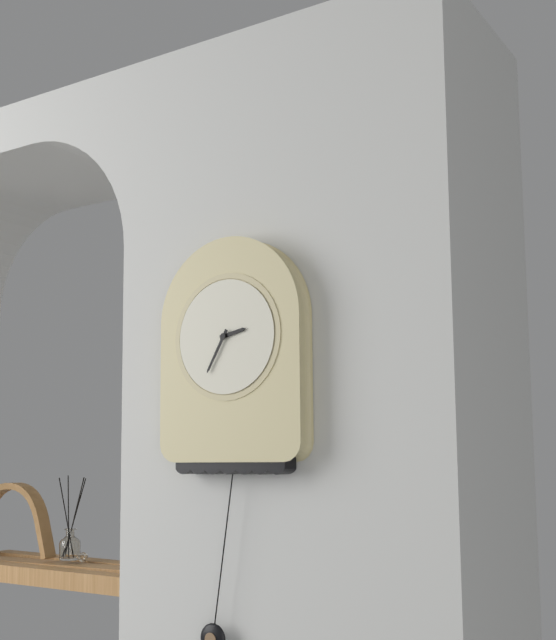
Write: 2h35
